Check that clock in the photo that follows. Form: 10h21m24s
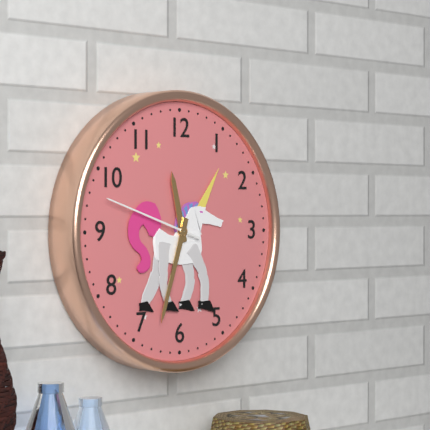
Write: 11h33m48s
